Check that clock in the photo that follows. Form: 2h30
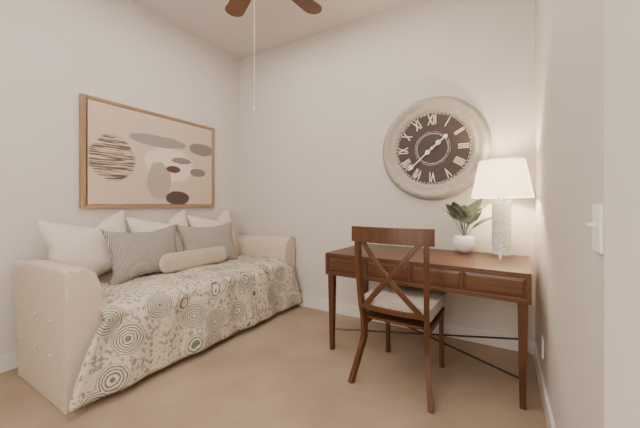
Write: 1h38
